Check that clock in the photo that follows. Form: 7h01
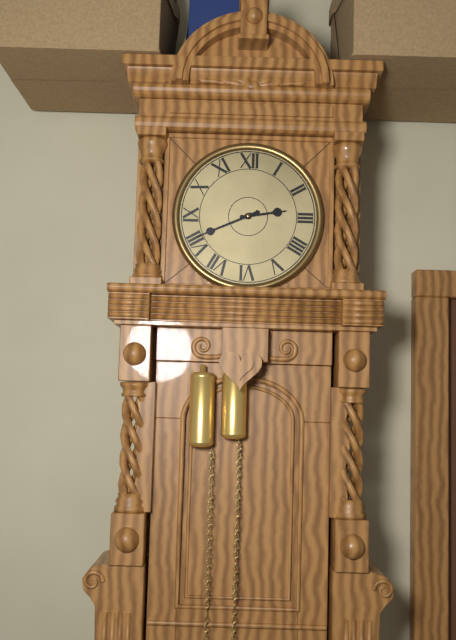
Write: 2h41
